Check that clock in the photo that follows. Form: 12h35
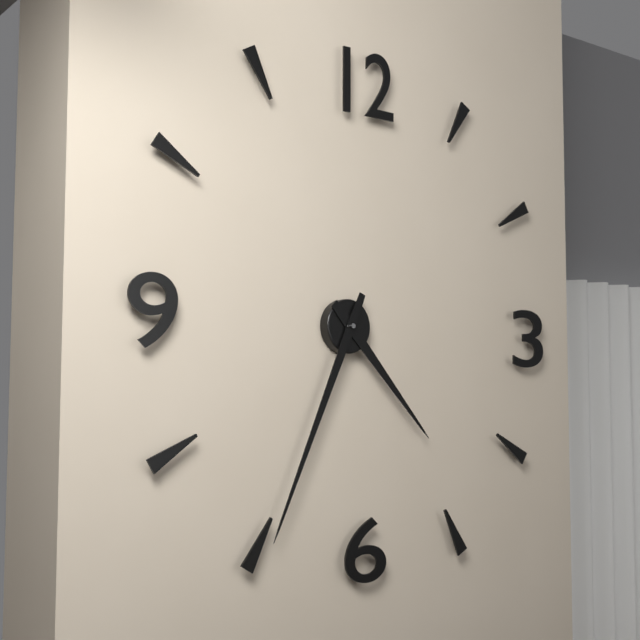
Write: 4h34
